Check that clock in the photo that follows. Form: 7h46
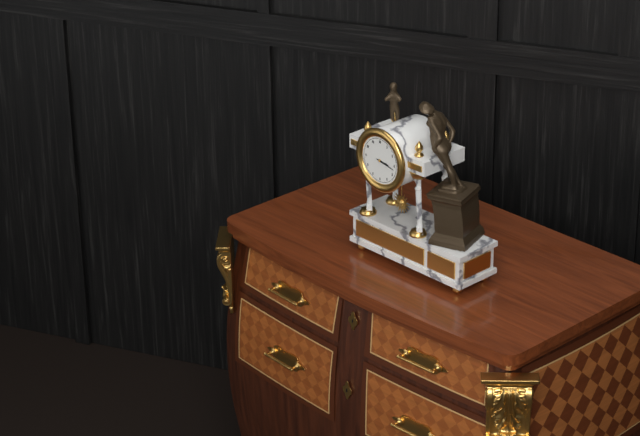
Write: 3h17
